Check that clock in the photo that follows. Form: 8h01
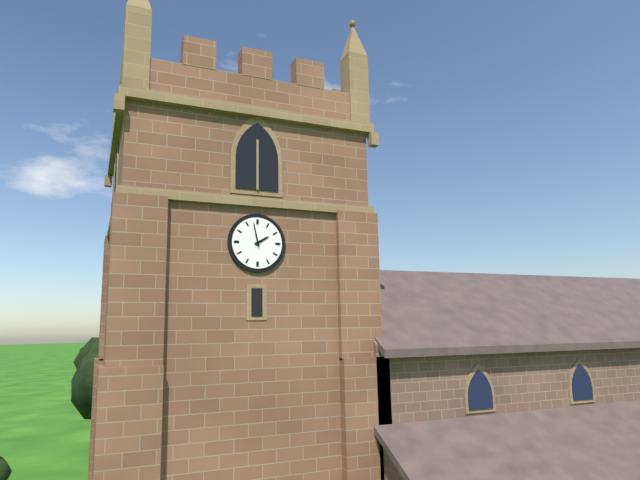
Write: 1h58
